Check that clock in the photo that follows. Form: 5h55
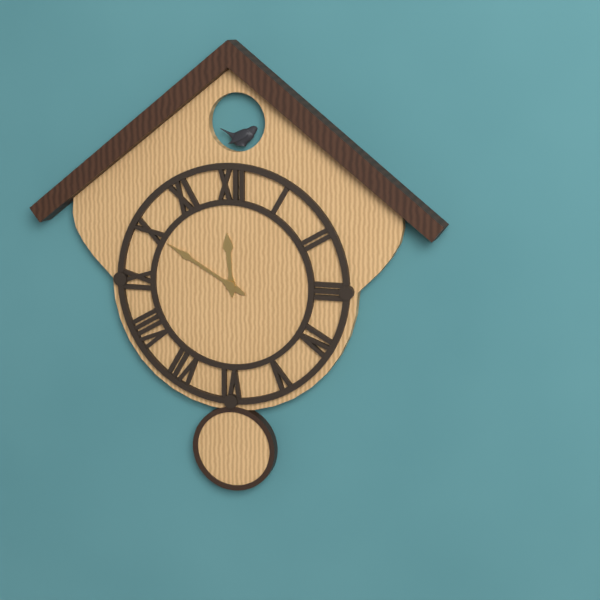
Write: 11h50
